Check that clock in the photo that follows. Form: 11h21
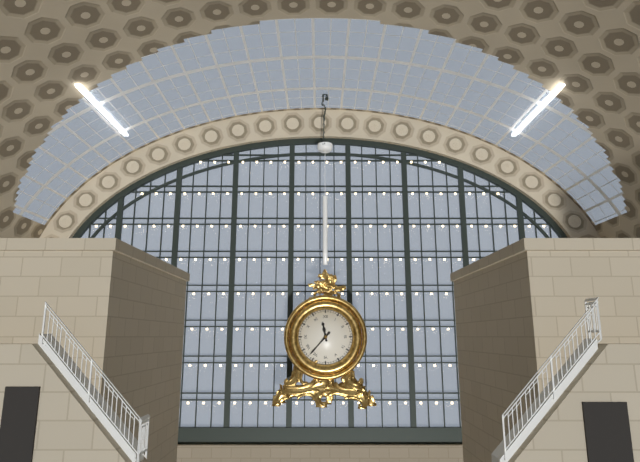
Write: 11h37
